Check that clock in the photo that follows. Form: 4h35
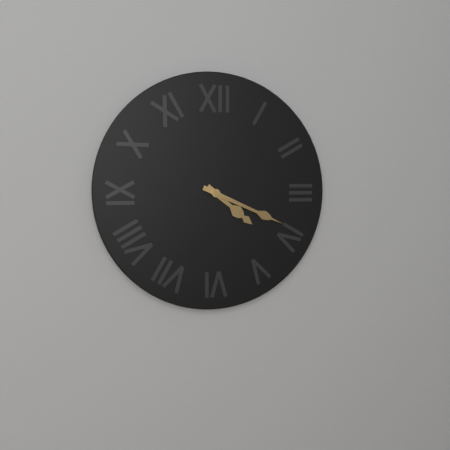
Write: 4h19
